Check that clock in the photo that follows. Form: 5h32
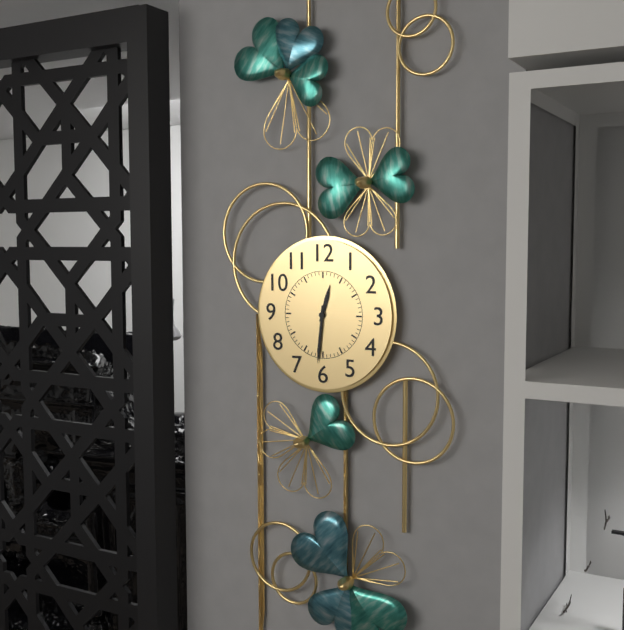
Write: 12h31
